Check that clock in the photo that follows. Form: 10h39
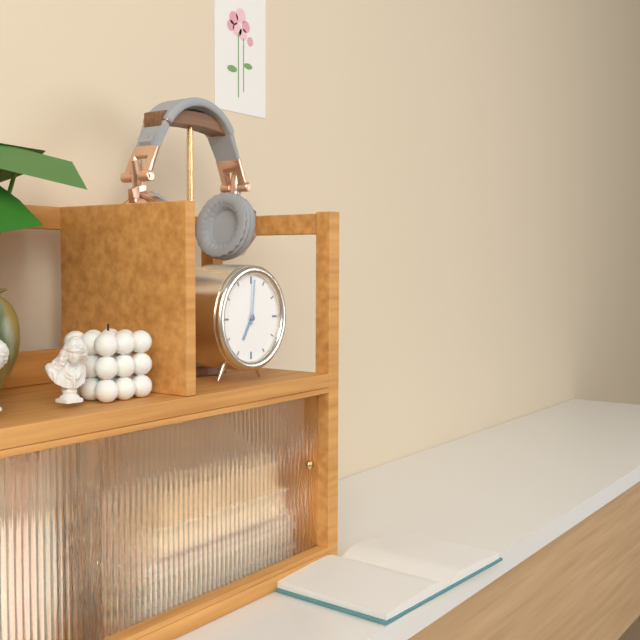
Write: 7h01
